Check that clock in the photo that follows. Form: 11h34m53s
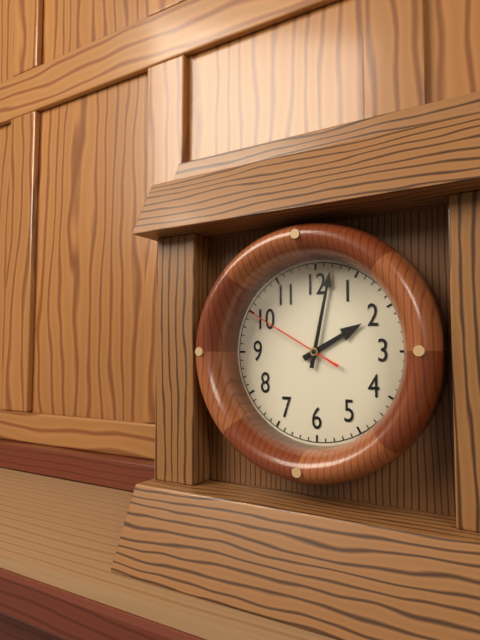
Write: 2h02m50s
